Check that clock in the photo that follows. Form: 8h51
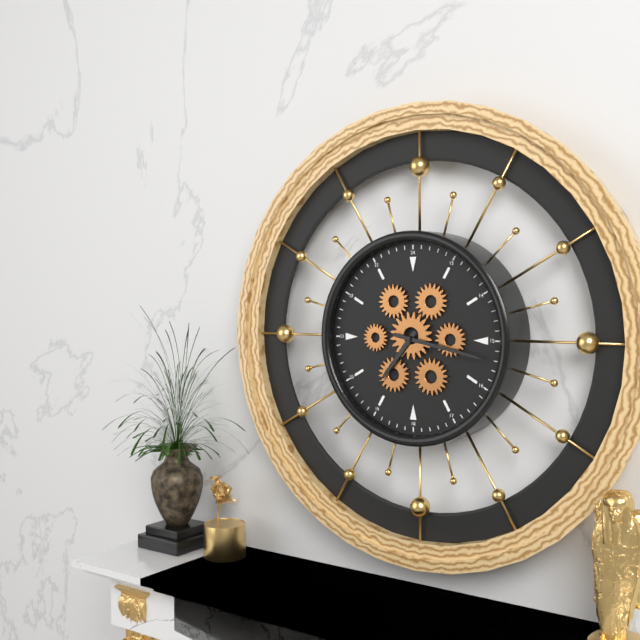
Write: 7h17
